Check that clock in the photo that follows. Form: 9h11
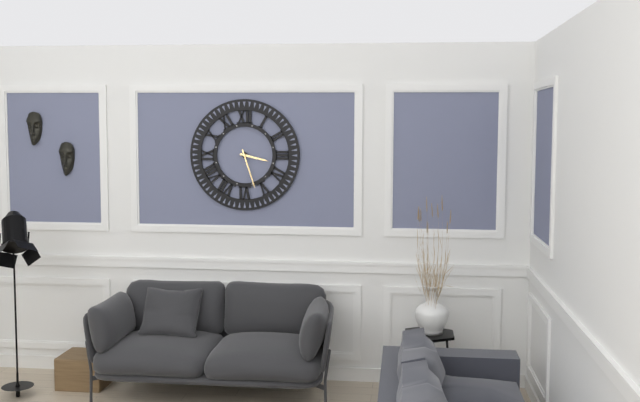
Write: 3h27
